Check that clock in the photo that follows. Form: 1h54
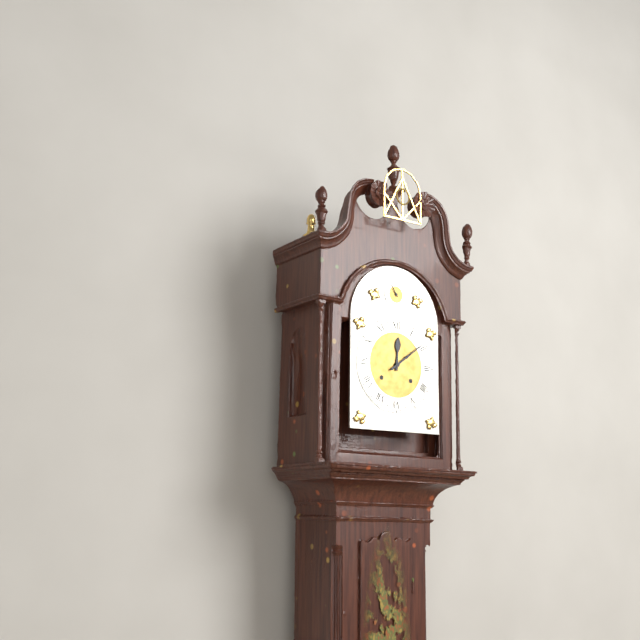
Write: 12h09
